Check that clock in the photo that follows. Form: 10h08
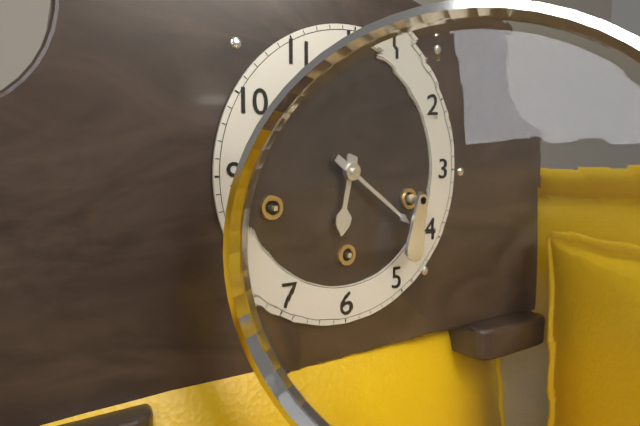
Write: 6h21
